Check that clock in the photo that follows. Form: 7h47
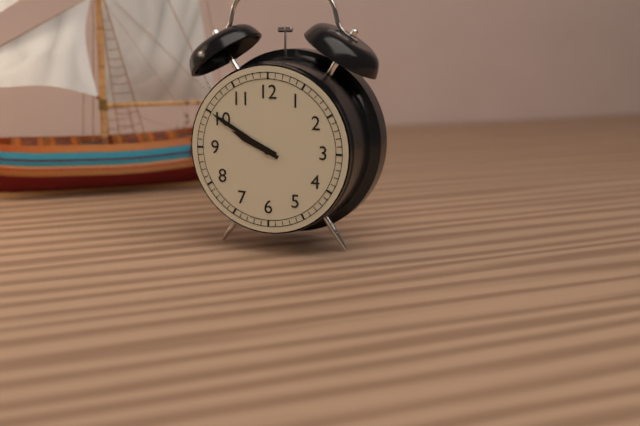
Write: 9h50
